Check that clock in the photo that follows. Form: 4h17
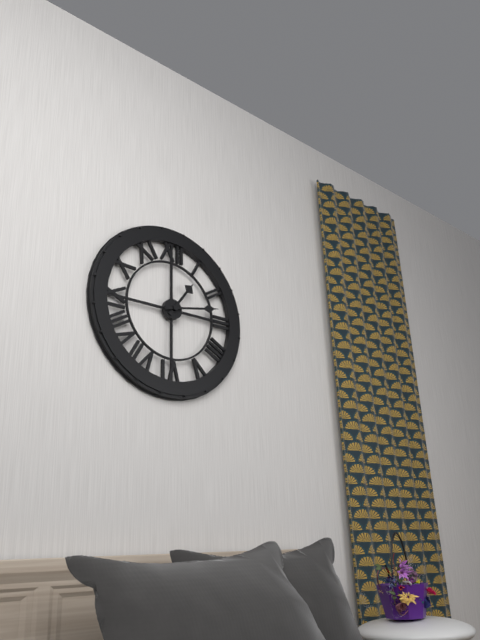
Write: 1h13
